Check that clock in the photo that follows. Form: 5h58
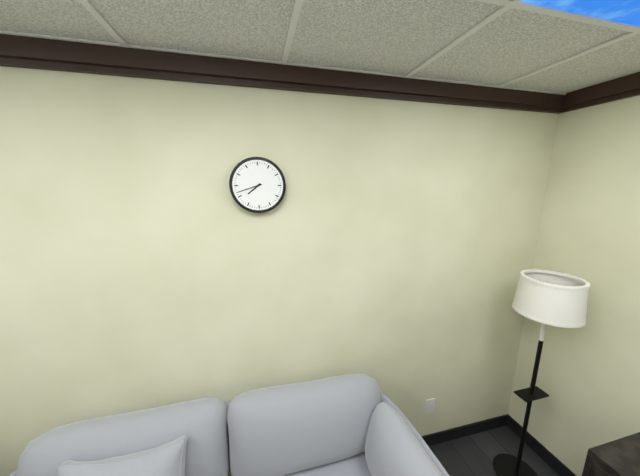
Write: 7h42
